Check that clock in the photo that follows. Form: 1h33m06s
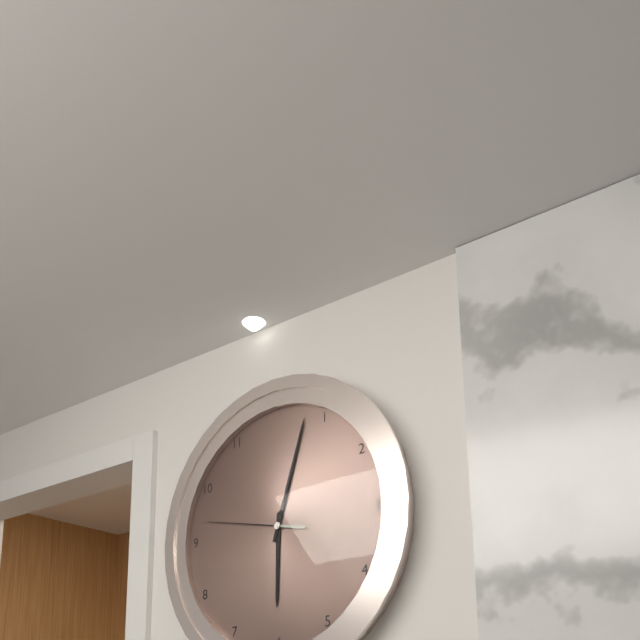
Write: 6h03m47s
